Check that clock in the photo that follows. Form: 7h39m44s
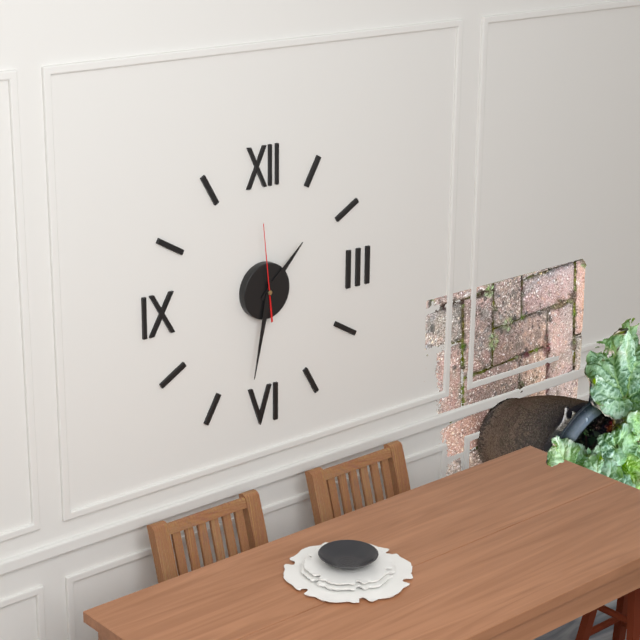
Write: 1h32m59s
